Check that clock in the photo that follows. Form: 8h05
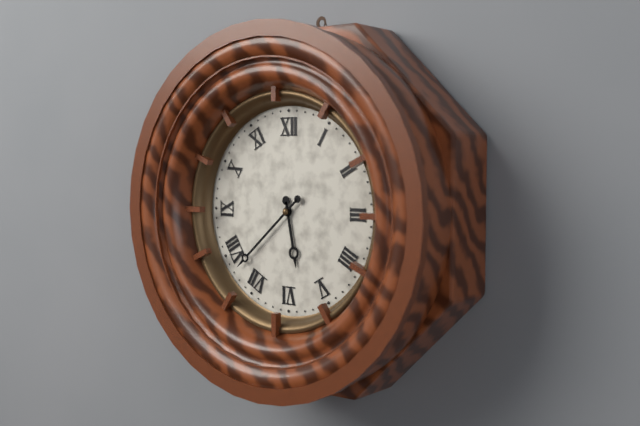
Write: 5h38
